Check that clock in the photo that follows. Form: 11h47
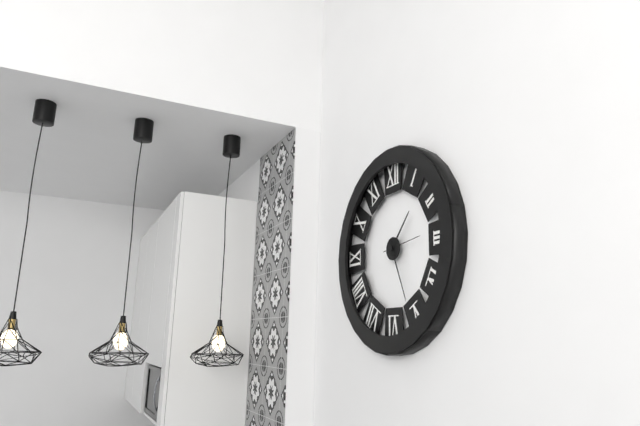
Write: 1h26
